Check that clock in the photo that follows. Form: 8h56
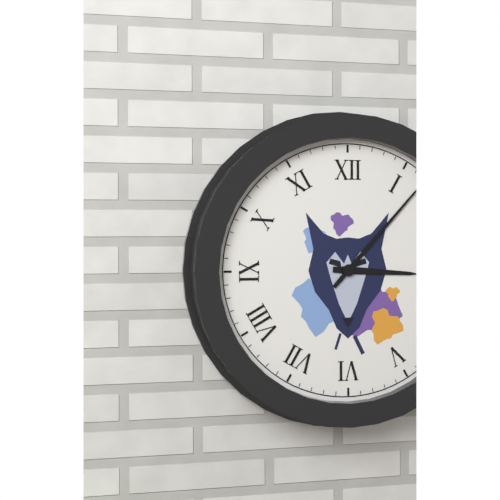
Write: 3h07
